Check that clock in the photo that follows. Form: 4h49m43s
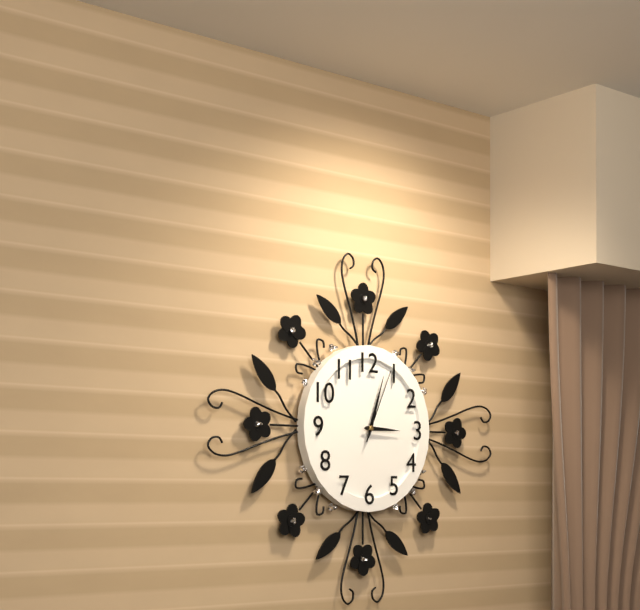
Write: 3h03m04s
